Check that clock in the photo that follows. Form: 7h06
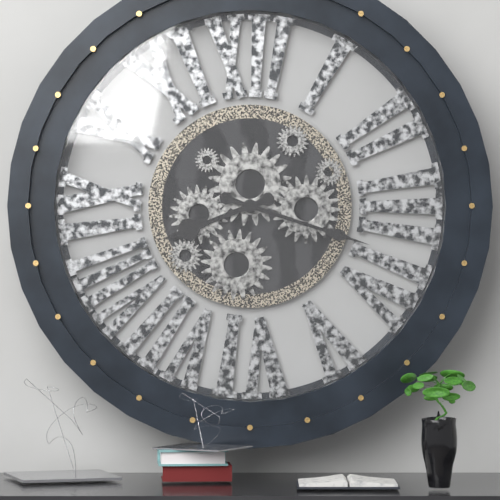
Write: 8h18
